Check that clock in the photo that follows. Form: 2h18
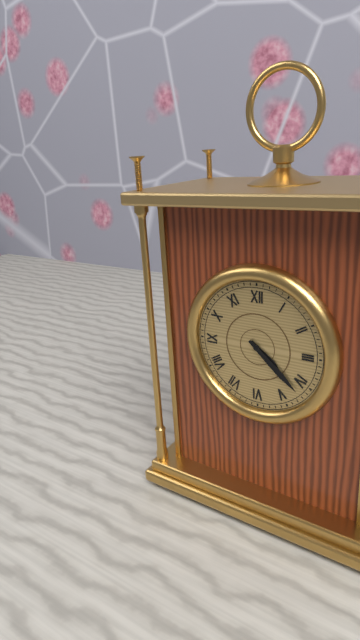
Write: 4h22
